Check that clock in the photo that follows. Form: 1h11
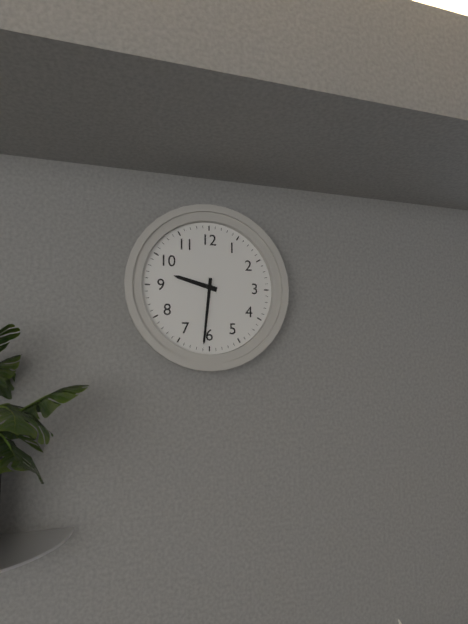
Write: 9h31
